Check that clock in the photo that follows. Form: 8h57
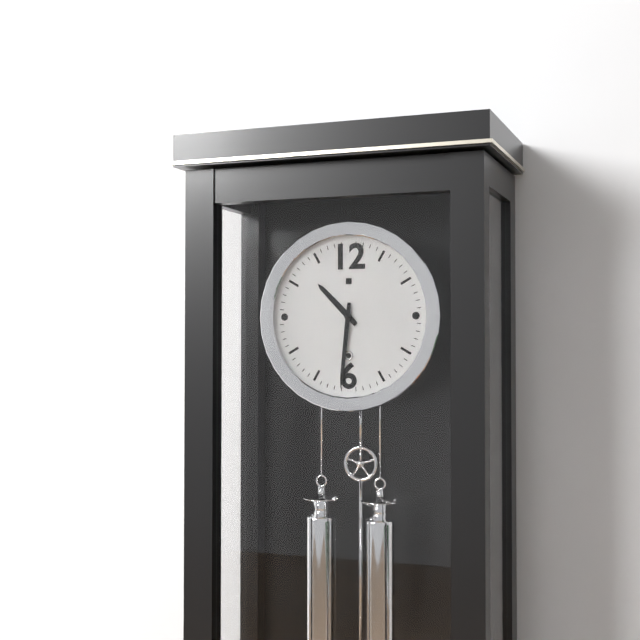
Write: 10h31
